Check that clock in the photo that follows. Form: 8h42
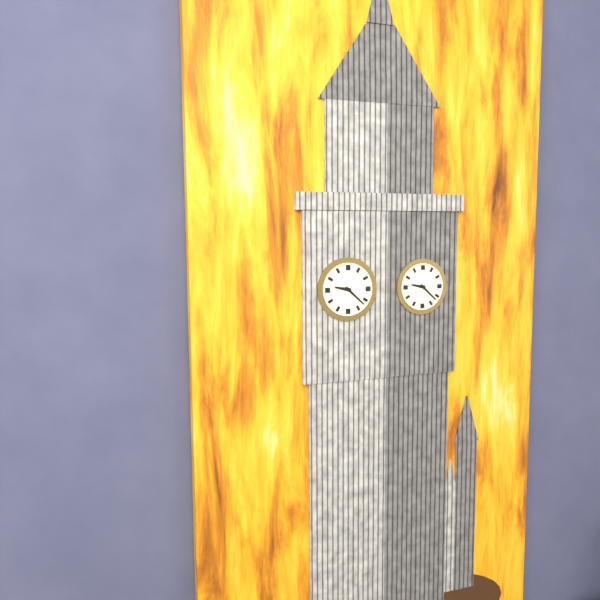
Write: 9h22
